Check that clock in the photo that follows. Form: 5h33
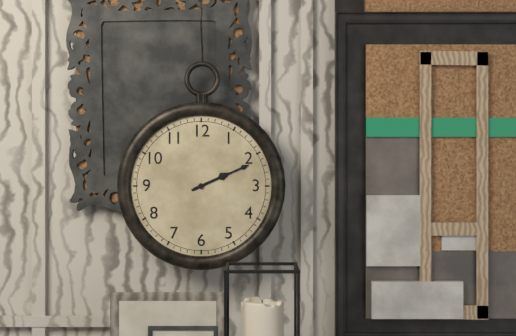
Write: 2h11
